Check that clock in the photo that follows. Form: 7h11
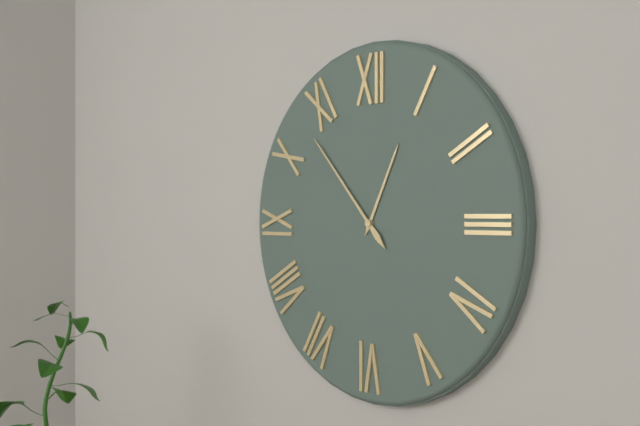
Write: 12h53
